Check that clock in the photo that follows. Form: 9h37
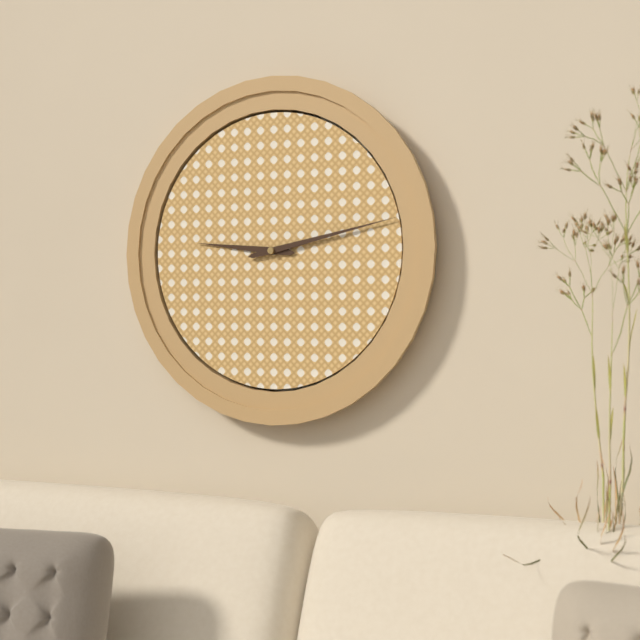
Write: 9h13
